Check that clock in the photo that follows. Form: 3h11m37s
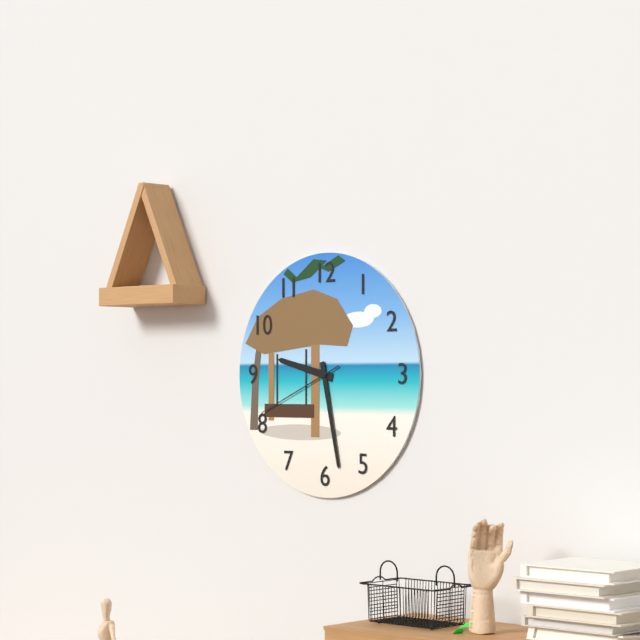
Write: 9h28m41s
